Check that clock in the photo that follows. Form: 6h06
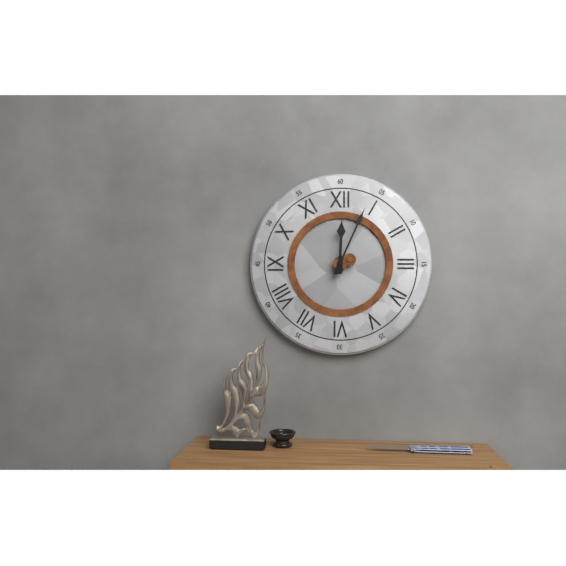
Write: 12h04
